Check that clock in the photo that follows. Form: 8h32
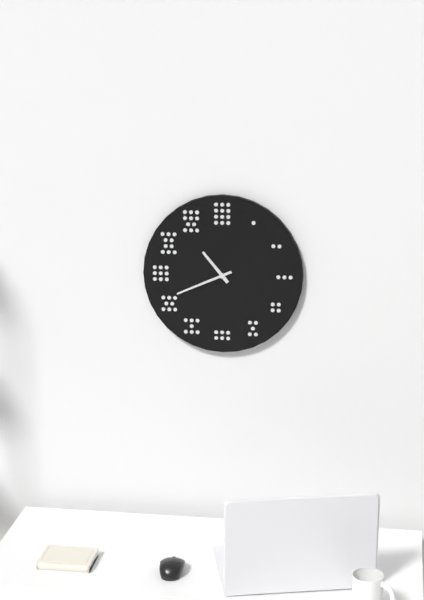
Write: 10h41
